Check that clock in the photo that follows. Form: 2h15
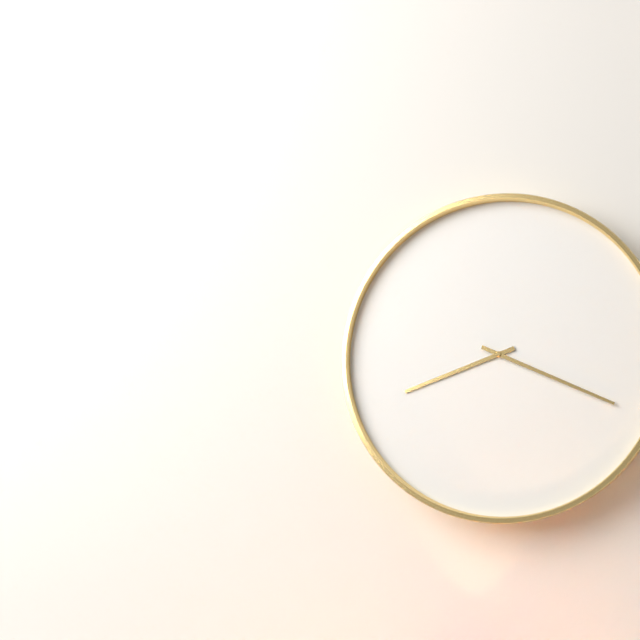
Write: 8h19
